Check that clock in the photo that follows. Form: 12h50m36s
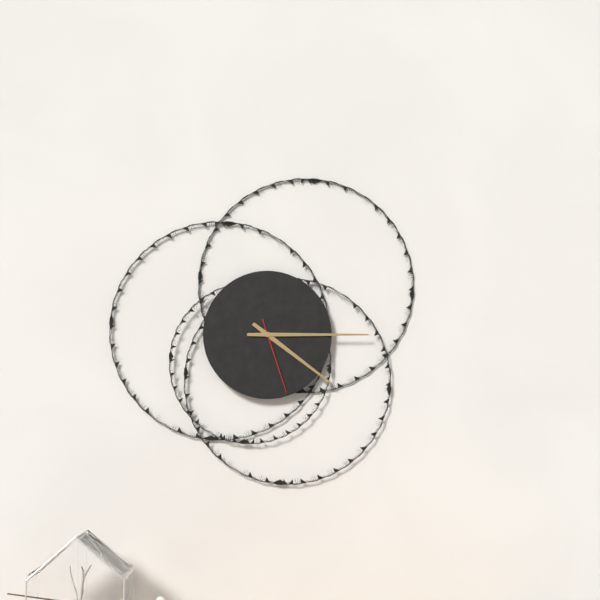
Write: 4h15m27s
